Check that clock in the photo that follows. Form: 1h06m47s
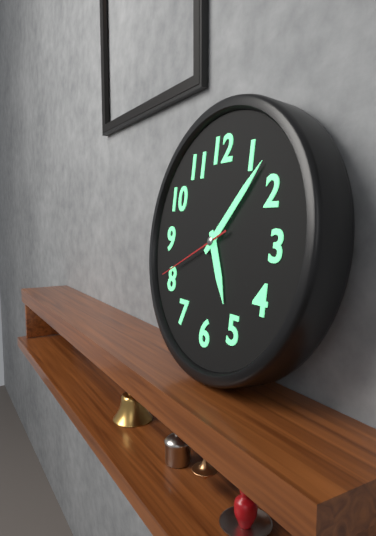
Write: 5h07m41s
